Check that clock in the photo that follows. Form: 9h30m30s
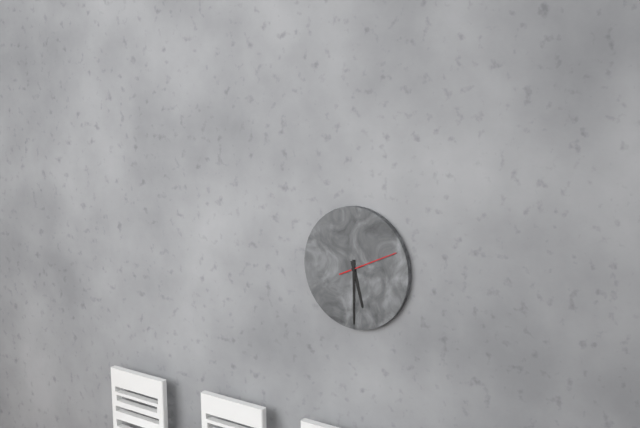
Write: 5h30m11s
